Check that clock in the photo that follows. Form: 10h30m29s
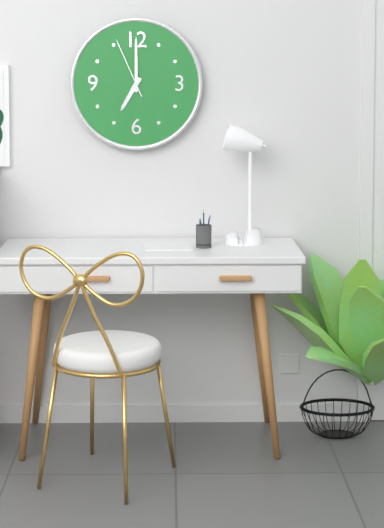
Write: 7h00m56s
